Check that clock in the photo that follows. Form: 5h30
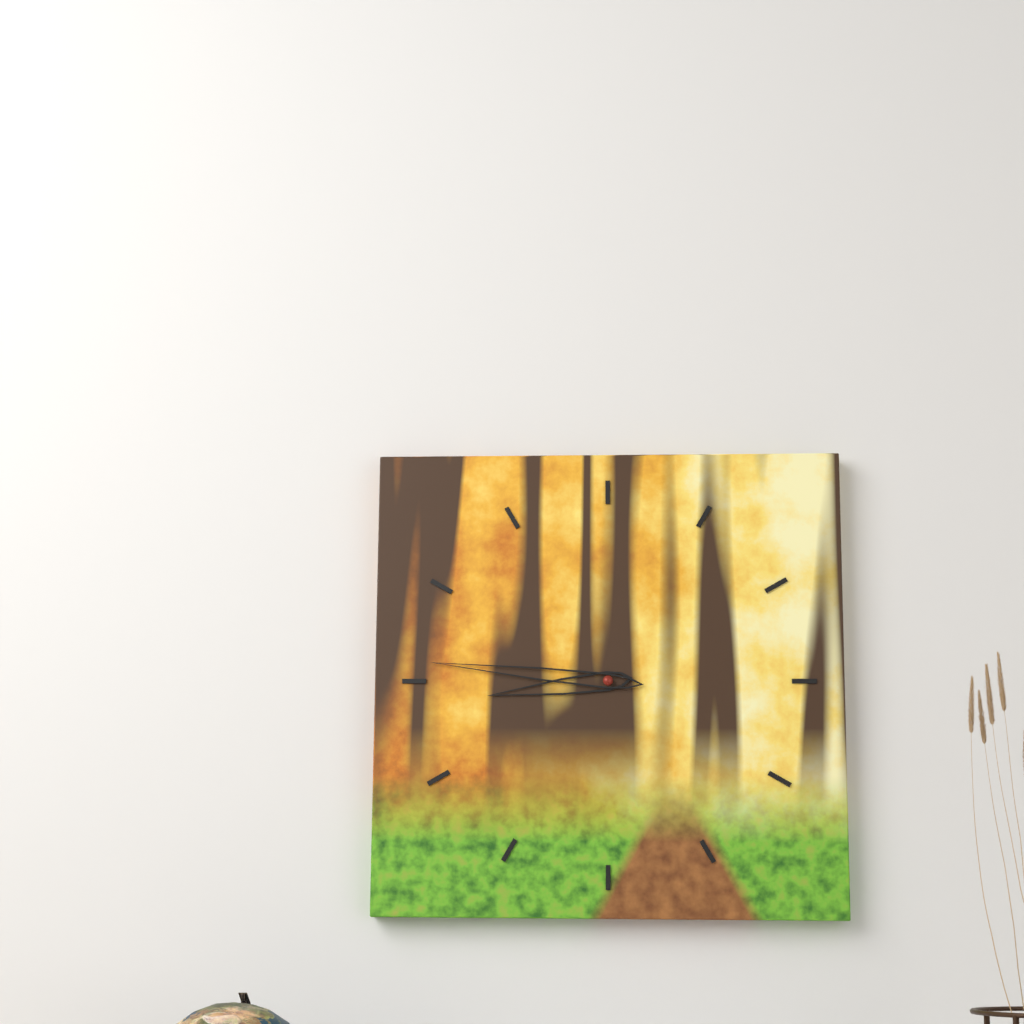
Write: 8h46
